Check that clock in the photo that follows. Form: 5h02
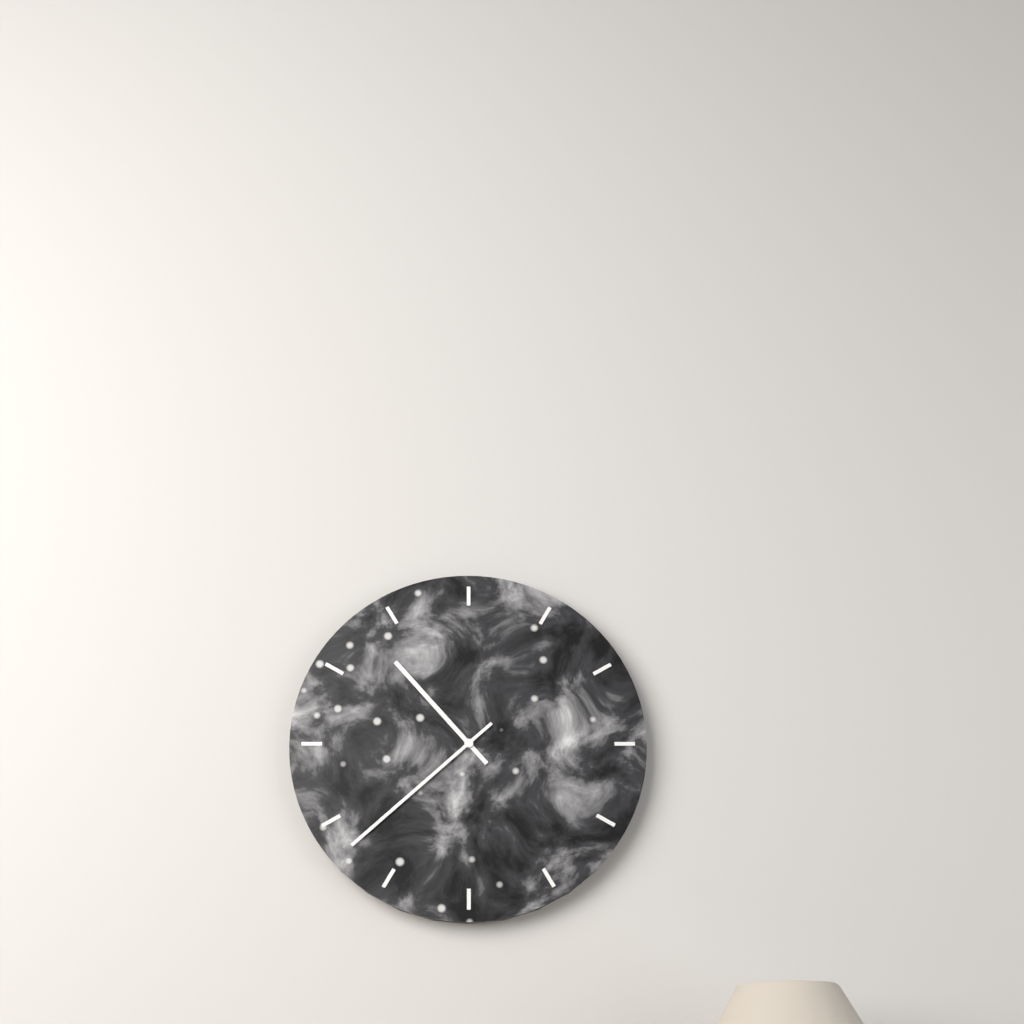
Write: 10h38
